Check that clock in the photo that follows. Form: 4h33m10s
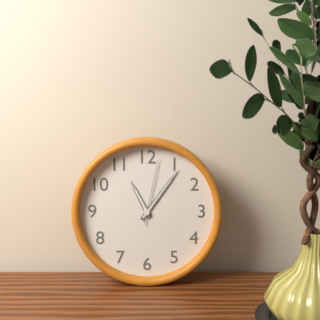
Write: 11h06m02s
